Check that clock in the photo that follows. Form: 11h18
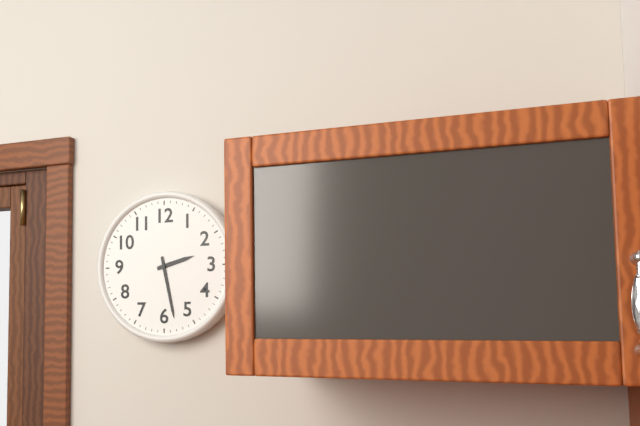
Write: 2h28
